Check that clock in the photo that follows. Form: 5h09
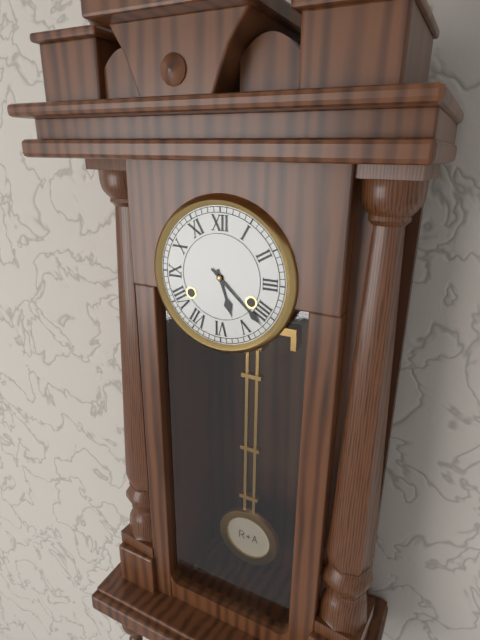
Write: 5h22
